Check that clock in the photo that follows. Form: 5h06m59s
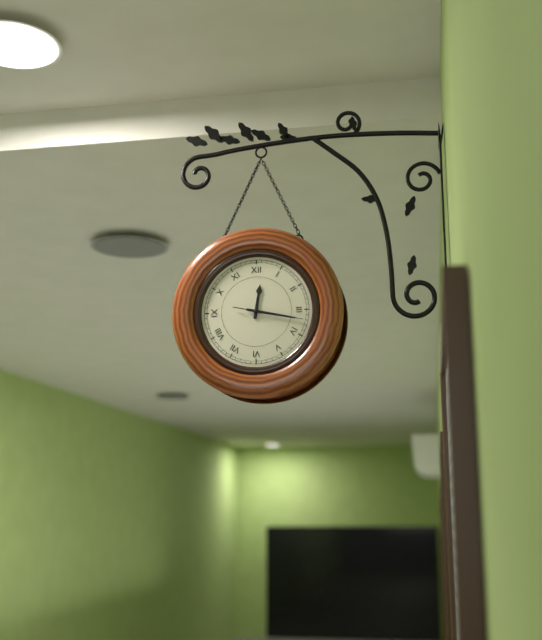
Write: 12h17m17s
